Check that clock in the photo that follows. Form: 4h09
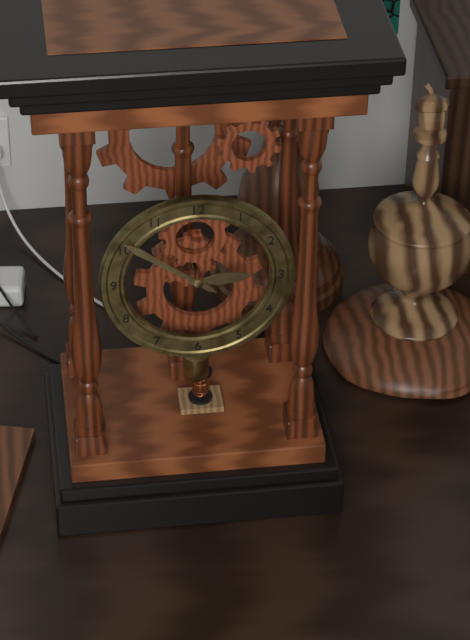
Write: 2h51
